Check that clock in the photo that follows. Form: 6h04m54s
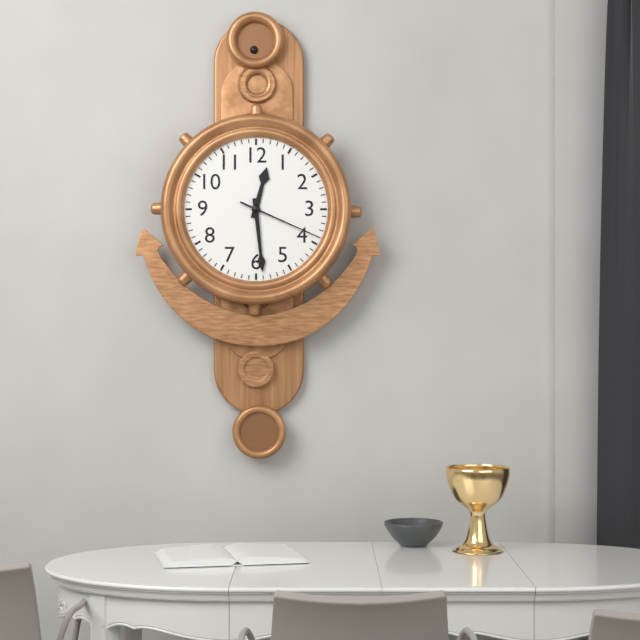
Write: 12h29m19s
